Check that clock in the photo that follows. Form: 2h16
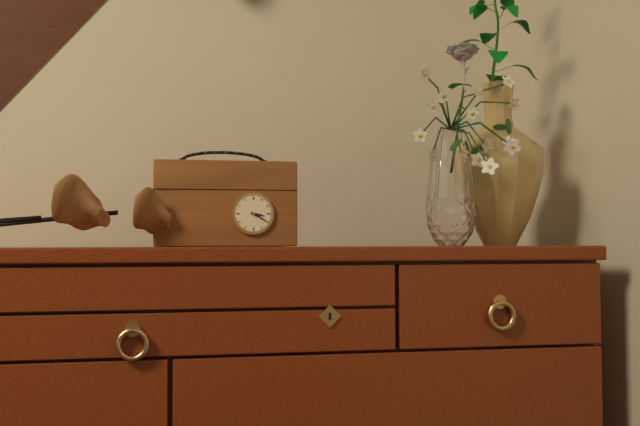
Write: 3h20
